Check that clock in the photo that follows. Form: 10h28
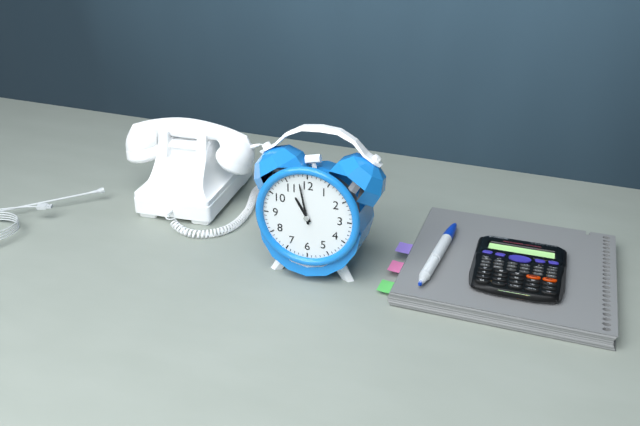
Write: 10h58
